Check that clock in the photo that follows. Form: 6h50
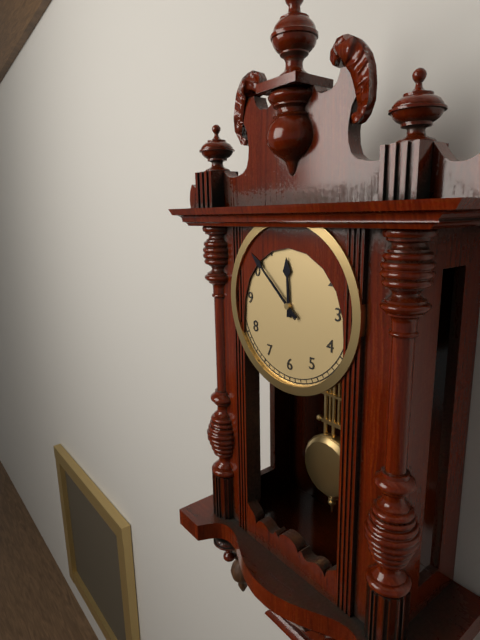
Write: 11h52
